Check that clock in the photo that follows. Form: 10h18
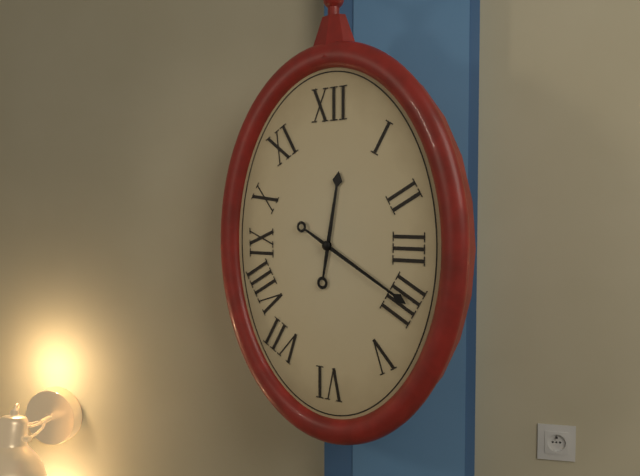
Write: 12h20
